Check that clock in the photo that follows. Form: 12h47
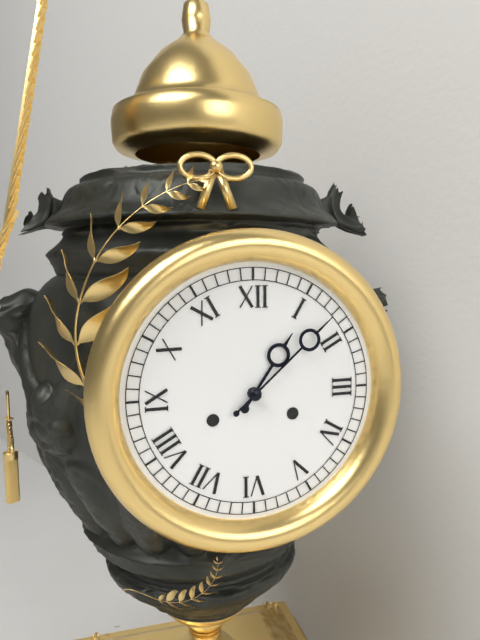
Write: 1h08
